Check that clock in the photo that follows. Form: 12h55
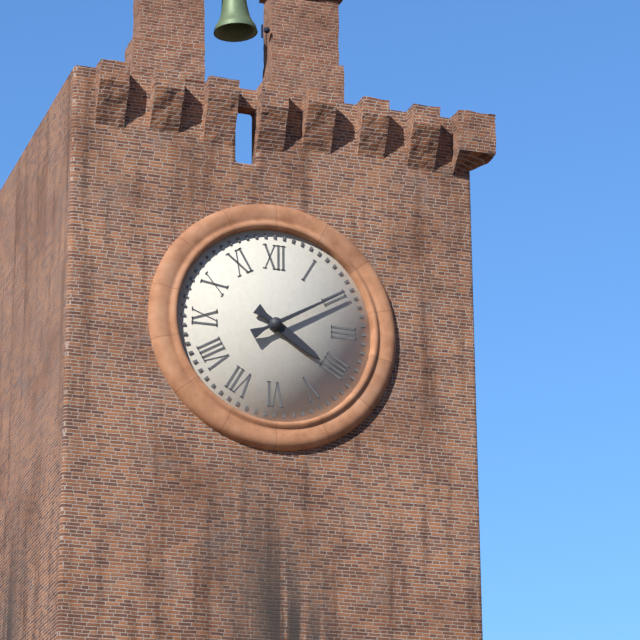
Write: 4h10
